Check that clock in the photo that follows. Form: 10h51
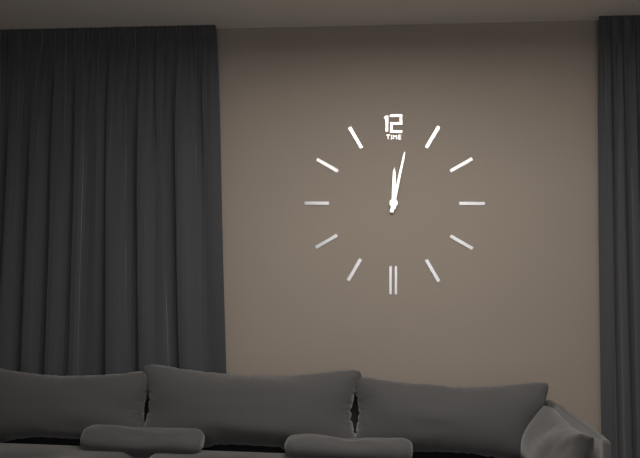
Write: 12h02
